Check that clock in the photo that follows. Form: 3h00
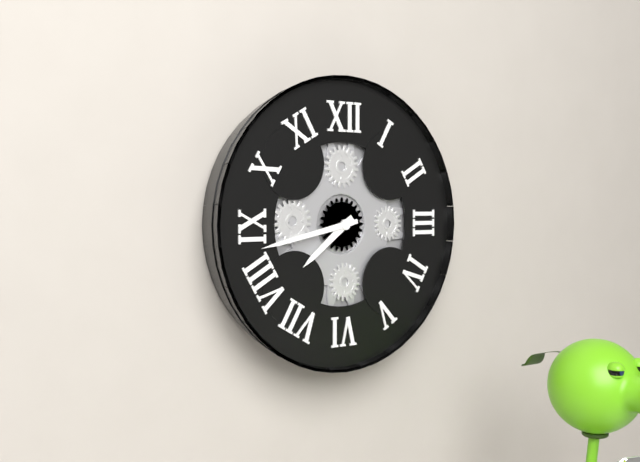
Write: 7h43
